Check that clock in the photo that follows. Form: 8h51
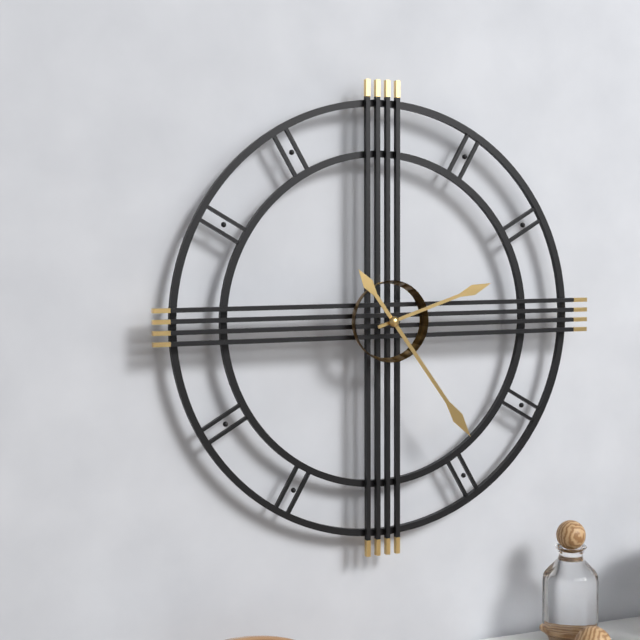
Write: 2h24
